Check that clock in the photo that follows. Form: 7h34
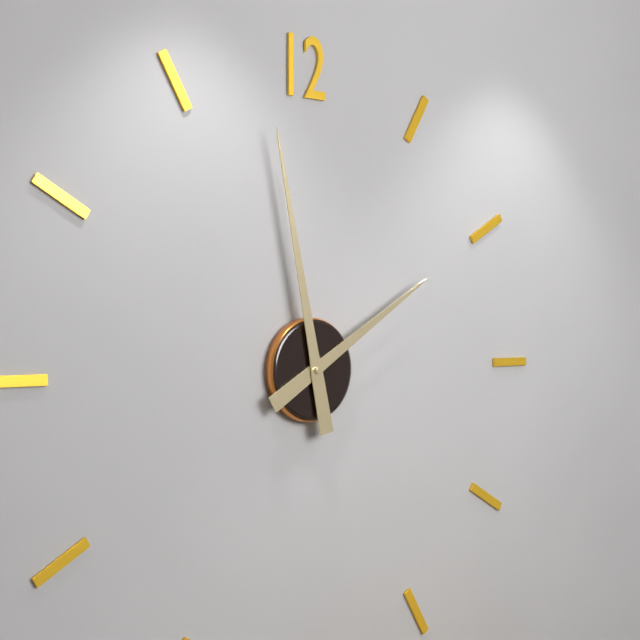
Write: 1h58
